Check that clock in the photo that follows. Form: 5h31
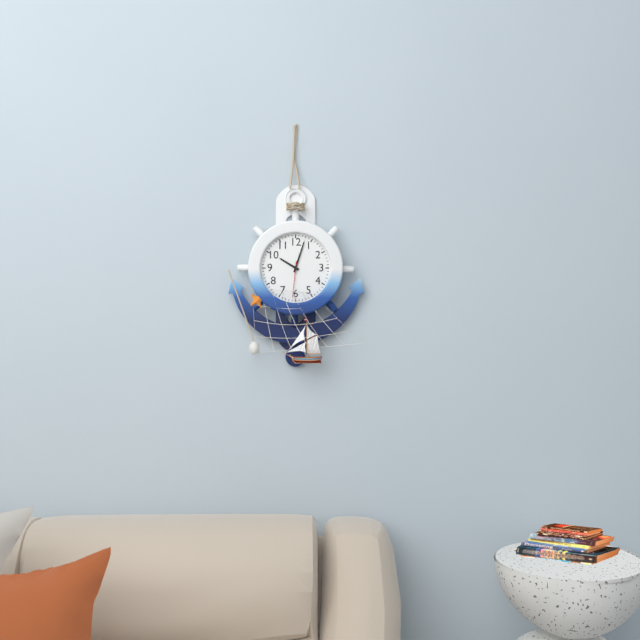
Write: 10h03
